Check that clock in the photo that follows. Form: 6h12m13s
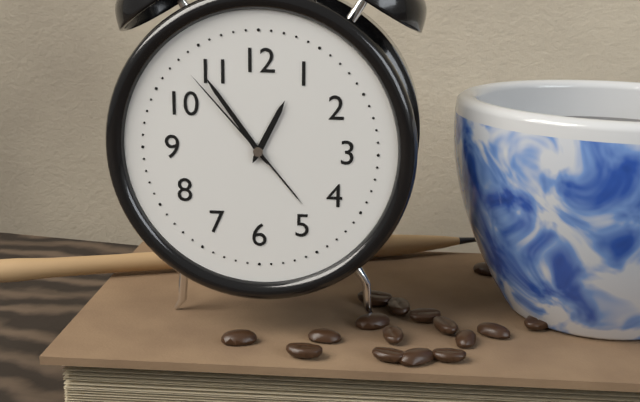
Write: 12h54m53s
